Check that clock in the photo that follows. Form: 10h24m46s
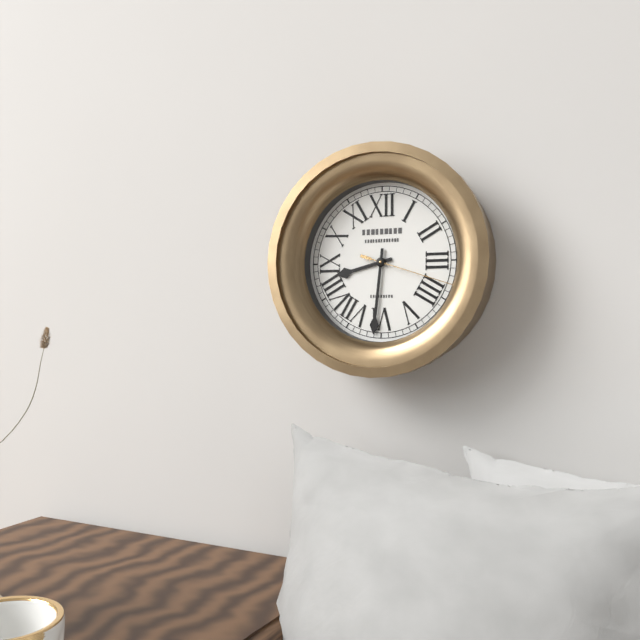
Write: 8h31m18s
